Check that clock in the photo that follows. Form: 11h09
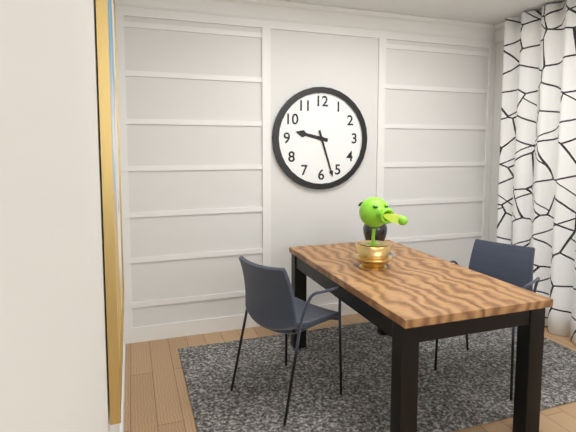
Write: 9h27
